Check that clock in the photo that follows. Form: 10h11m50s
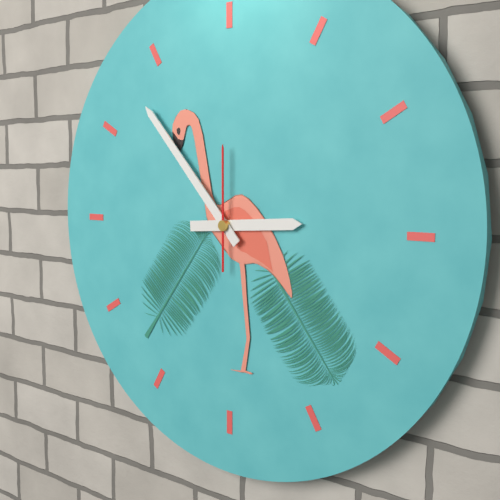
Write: 2h53m00s
